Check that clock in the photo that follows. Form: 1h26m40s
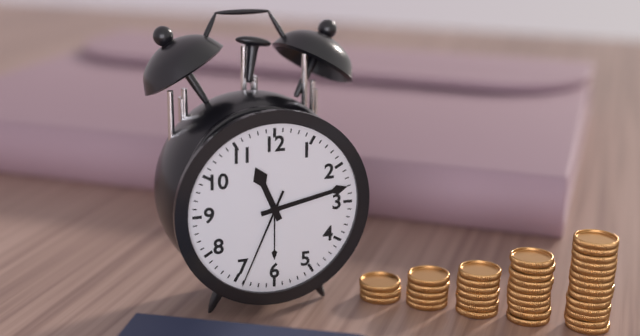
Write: 11h13m34s
